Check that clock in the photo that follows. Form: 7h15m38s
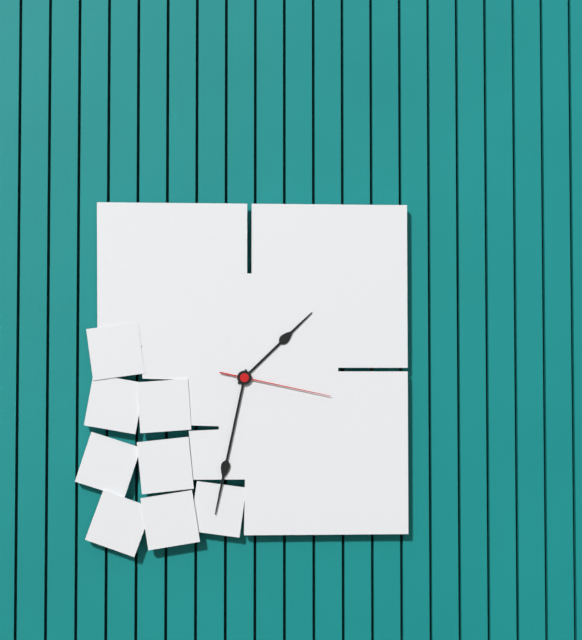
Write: 1h32m17s
